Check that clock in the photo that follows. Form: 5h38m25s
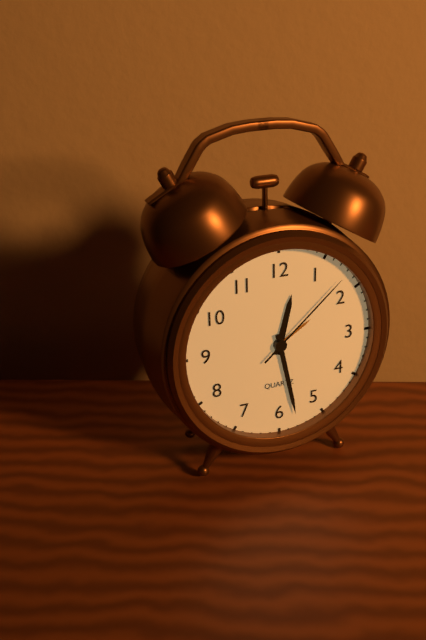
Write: 12h28m08s
